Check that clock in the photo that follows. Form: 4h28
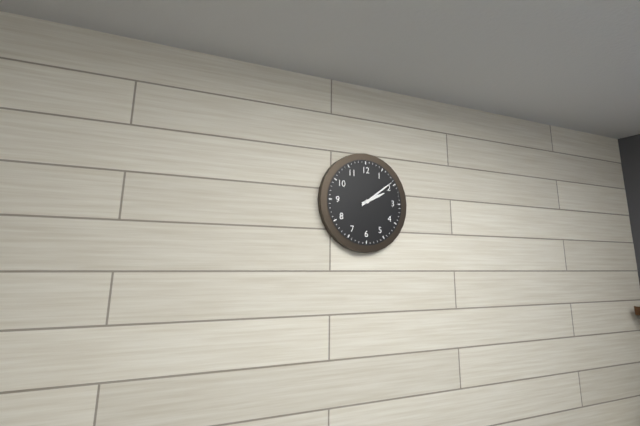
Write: 2h09
